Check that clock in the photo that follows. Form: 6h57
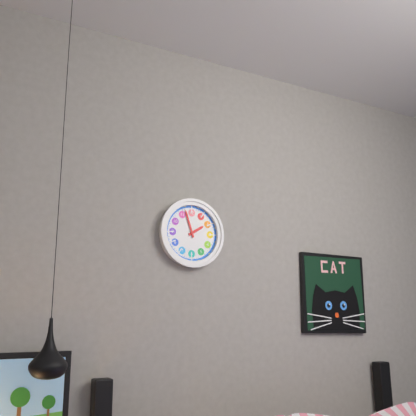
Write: 1h57
